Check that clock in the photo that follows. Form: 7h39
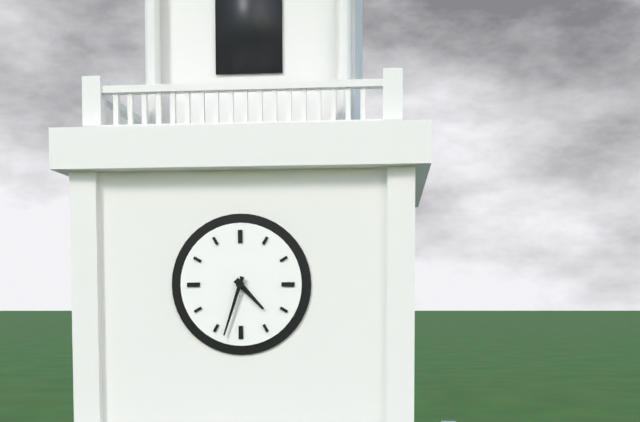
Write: 4h33
